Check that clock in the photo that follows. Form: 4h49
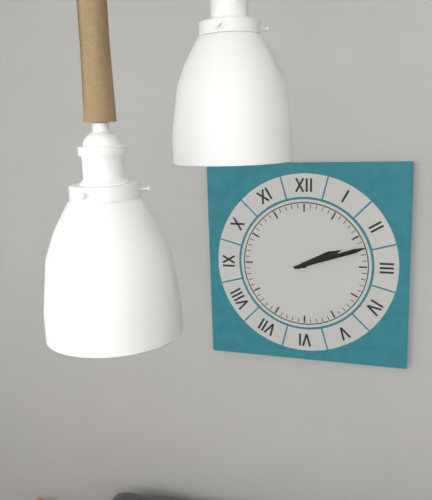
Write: 2h12
